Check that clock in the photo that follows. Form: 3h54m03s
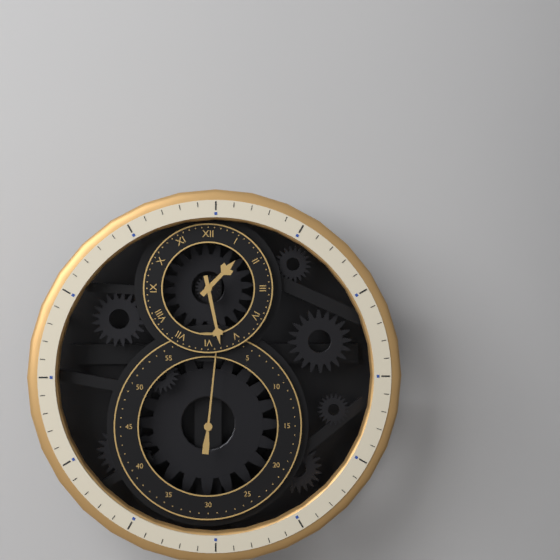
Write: 1h28m01s
